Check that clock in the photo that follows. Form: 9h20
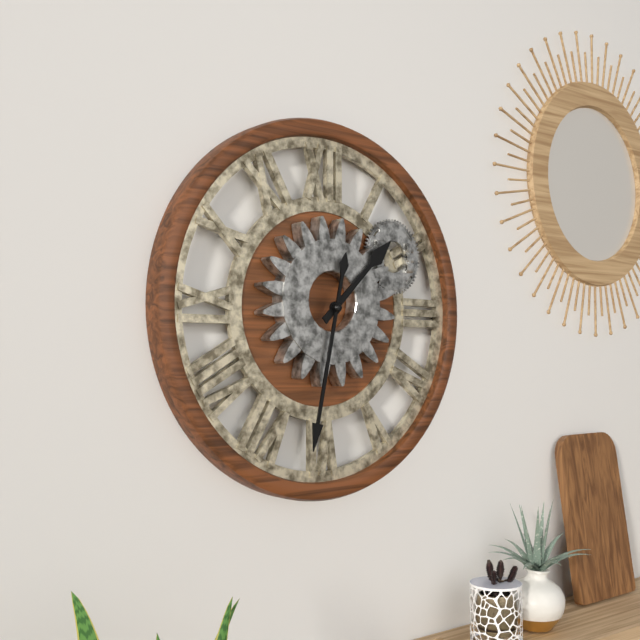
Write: 1h32
